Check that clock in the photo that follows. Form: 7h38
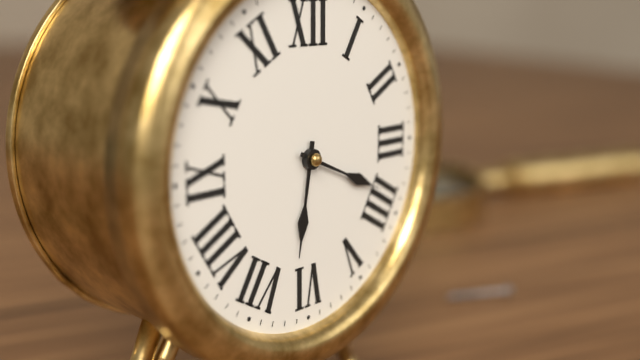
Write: 6h19
